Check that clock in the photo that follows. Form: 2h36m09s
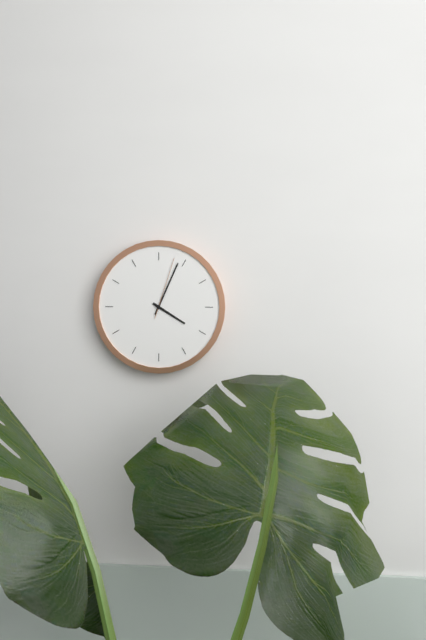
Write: 4h04m03s
